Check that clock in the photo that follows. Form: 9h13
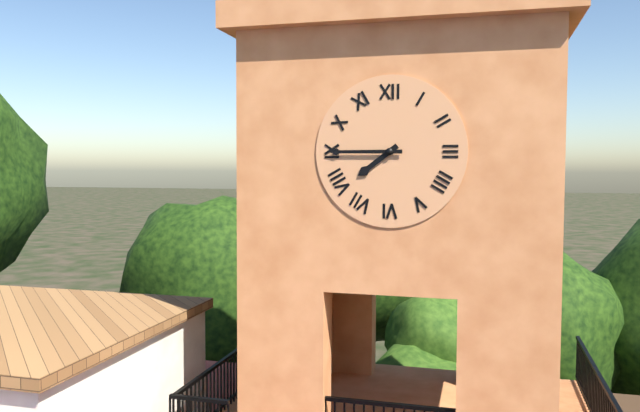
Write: 7h45
